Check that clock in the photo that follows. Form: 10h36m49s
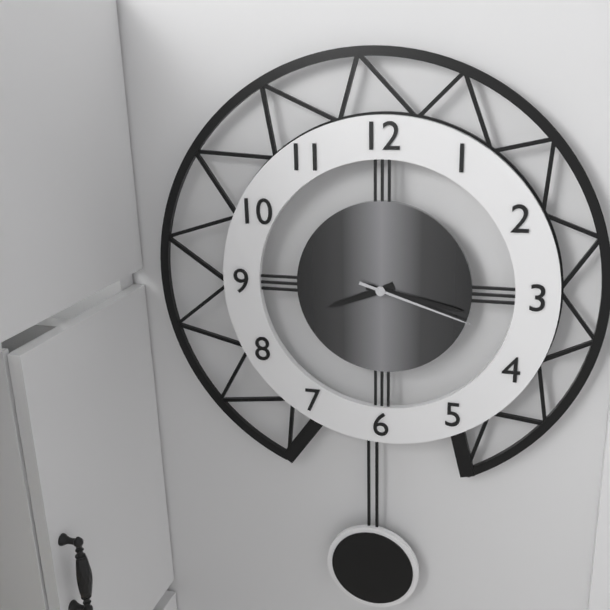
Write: 8h17m18s
